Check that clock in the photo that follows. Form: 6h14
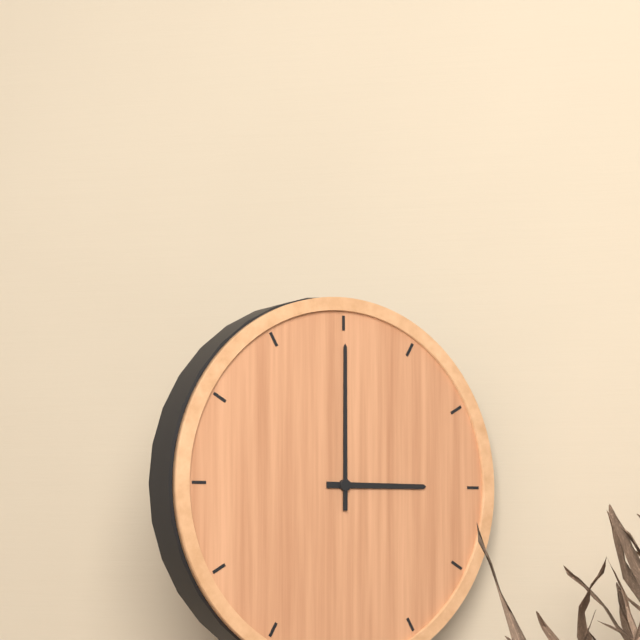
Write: 3h00
